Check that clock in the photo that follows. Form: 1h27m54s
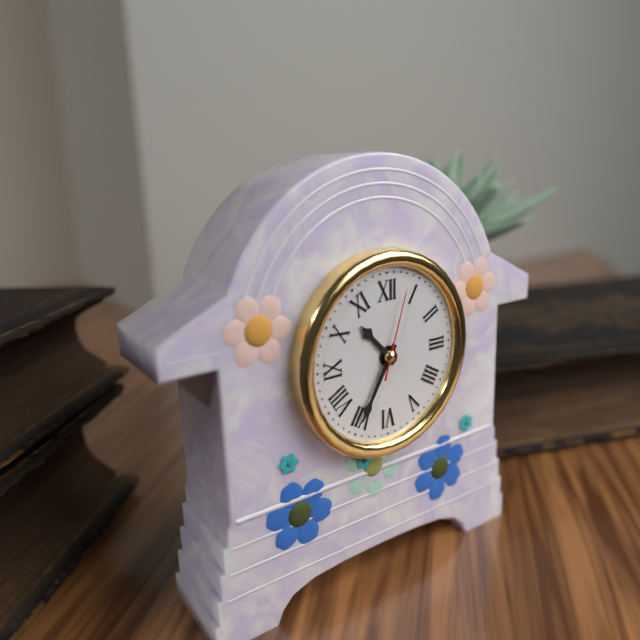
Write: 10h35m03s
